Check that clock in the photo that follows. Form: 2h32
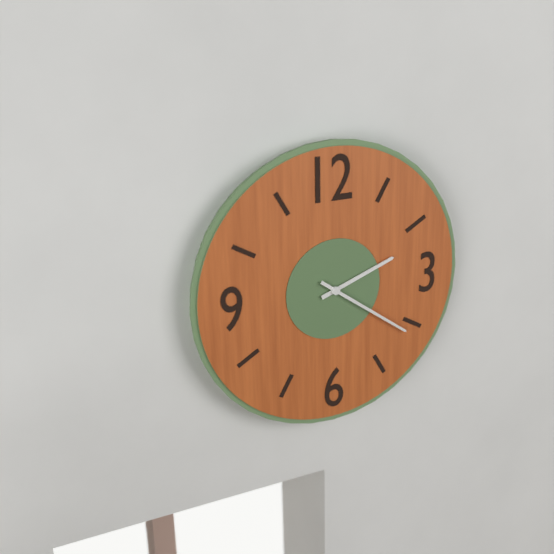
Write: 2h21
